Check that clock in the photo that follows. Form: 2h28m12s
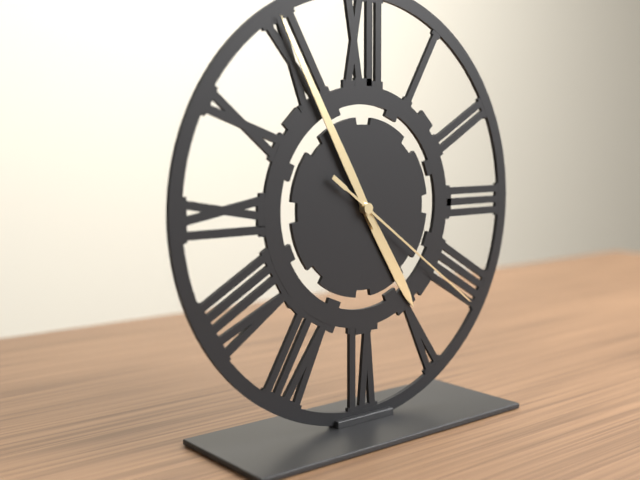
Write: 4h55m21s
